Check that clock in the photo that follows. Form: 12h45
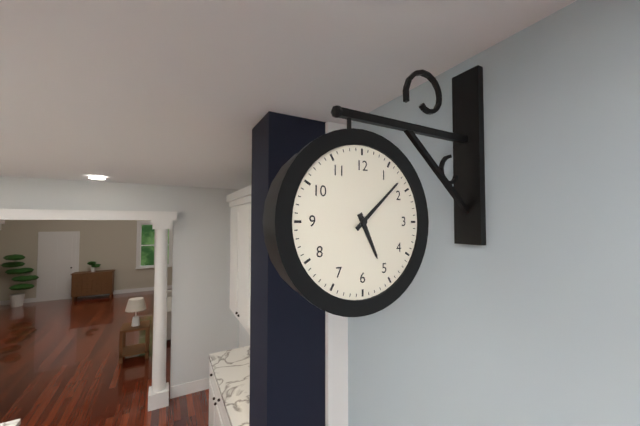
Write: 5h08
